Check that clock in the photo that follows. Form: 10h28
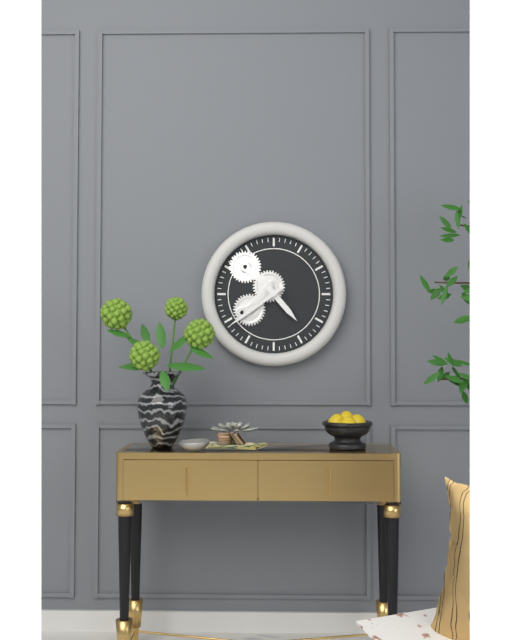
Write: 4h39
